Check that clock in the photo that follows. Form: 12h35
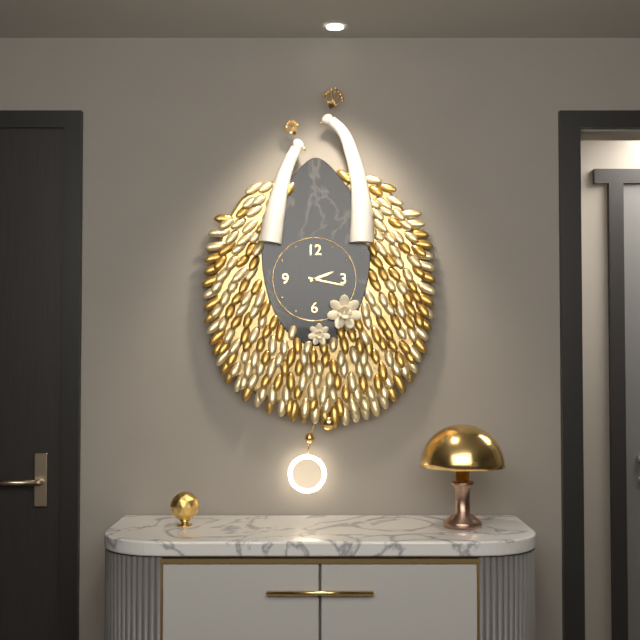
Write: 2h17
